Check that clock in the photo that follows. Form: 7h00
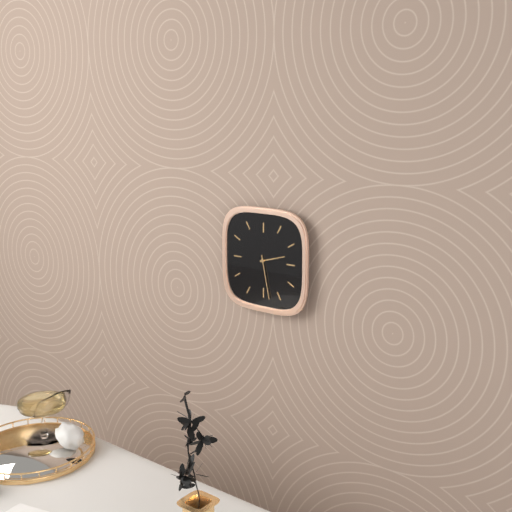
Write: 2h28
